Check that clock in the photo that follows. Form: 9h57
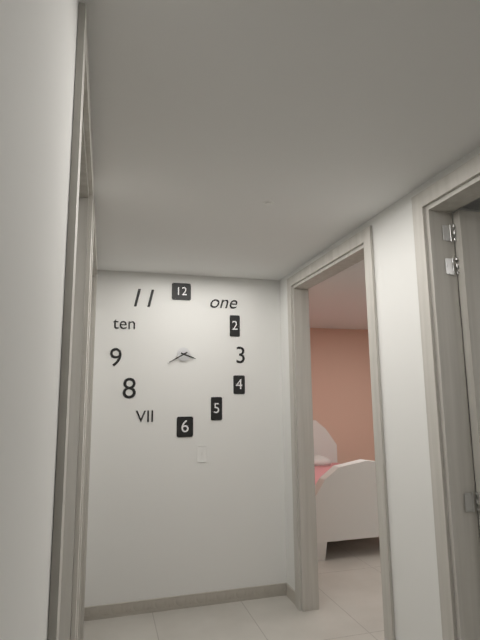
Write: 3h40
